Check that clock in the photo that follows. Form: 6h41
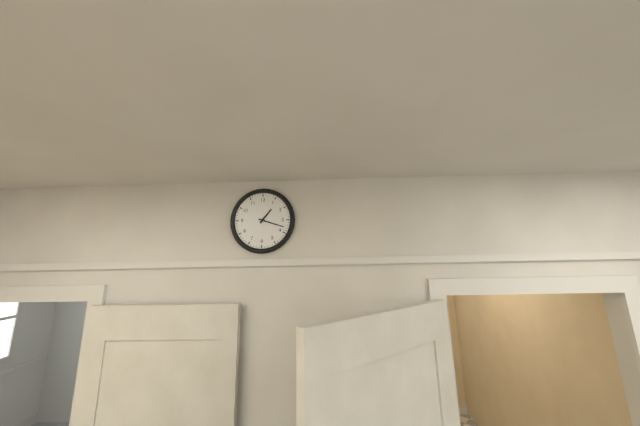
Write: 1h18
